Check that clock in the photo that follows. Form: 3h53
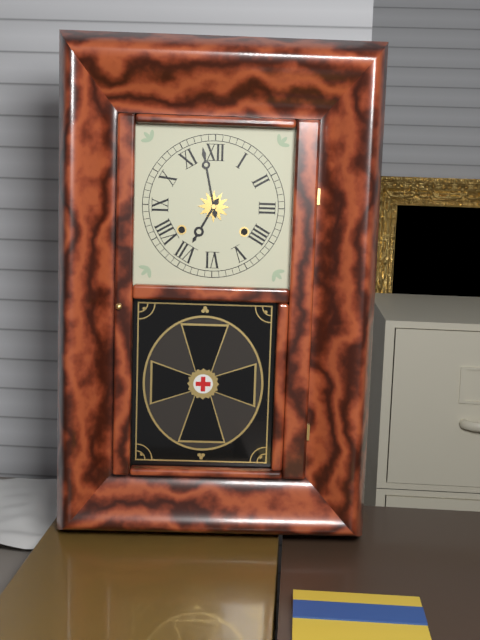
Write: 6h58
